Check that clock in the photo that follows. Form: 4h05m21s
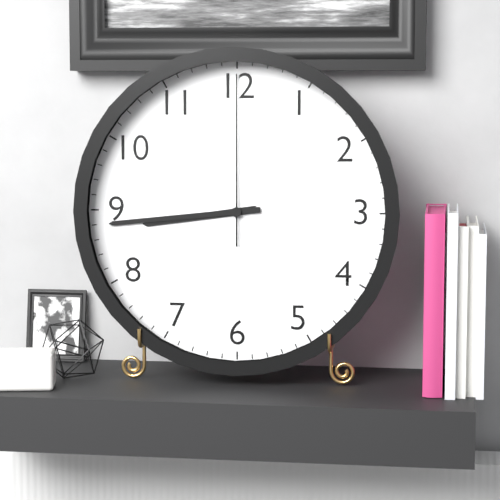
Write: 8h44m00s
